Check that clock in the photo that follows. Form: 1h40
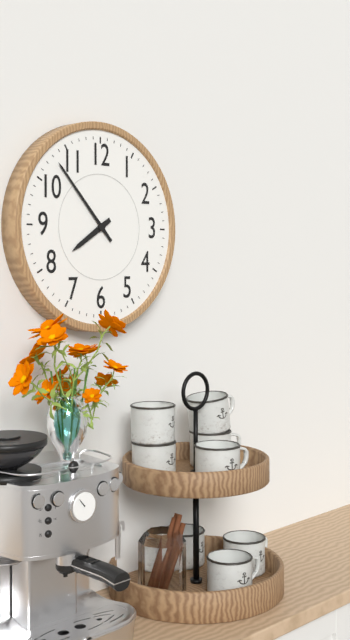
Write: 7h53
